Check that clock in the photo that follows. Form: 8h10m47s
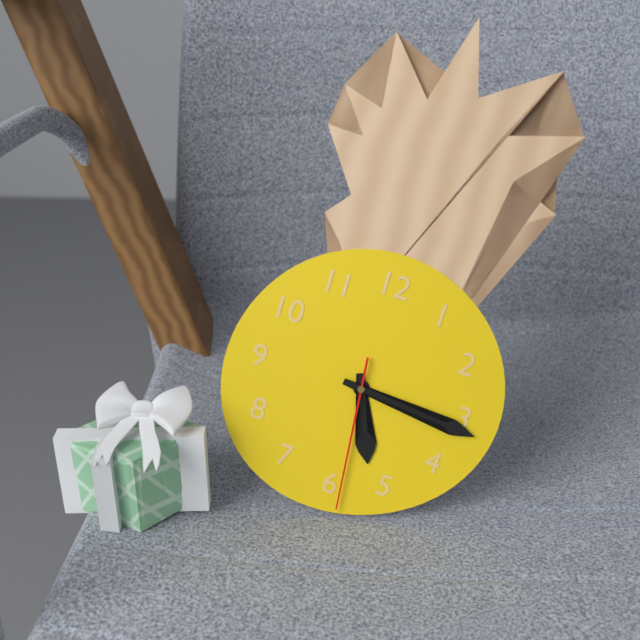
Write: 5h16m29s
